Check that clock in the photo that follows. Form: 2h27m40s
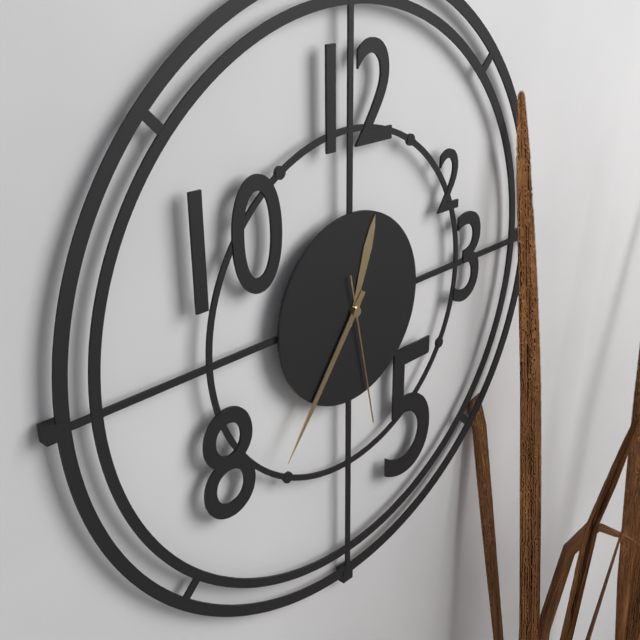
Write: 12h36m28s
